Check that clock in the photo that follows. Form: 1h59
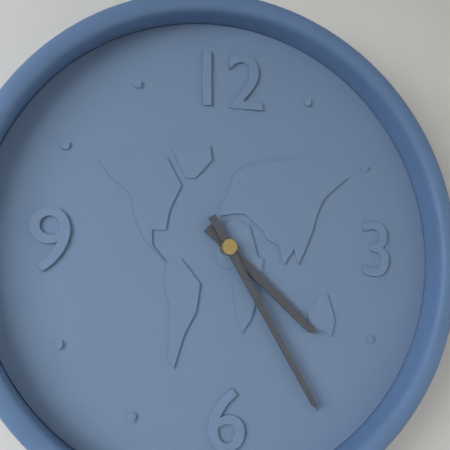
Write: 4h25
